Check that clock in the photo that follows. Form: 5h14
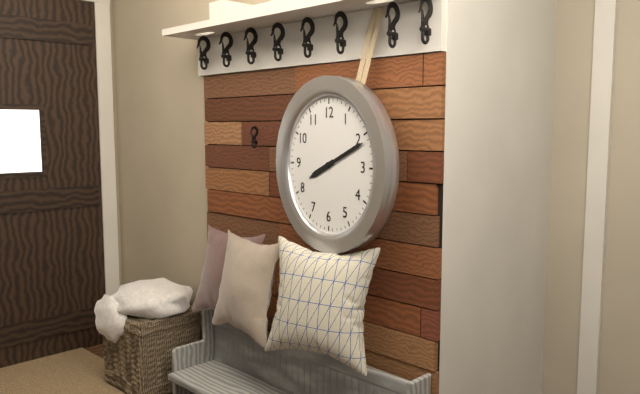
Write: 8h11
